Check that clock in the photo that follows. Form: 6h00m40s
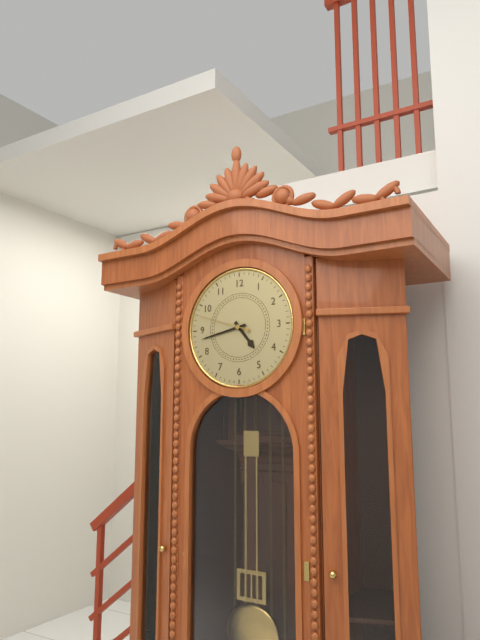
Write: 4h43m48s
